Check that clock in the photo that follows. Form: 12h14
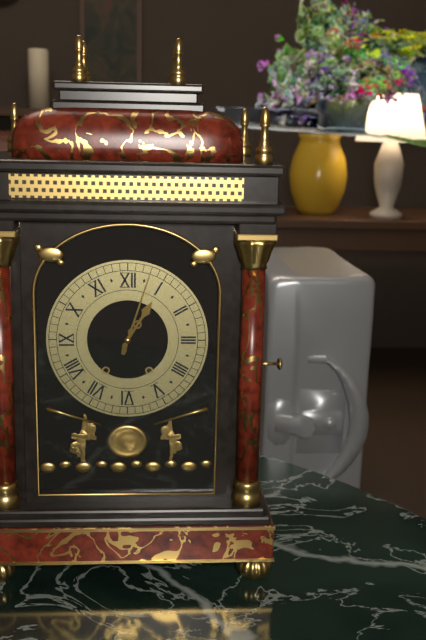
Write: 1h03
